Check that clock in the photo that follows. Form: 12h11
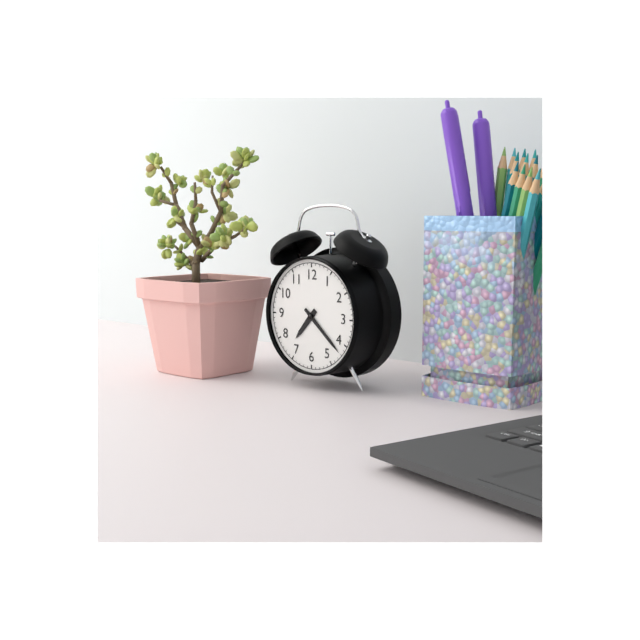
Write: 7h22
